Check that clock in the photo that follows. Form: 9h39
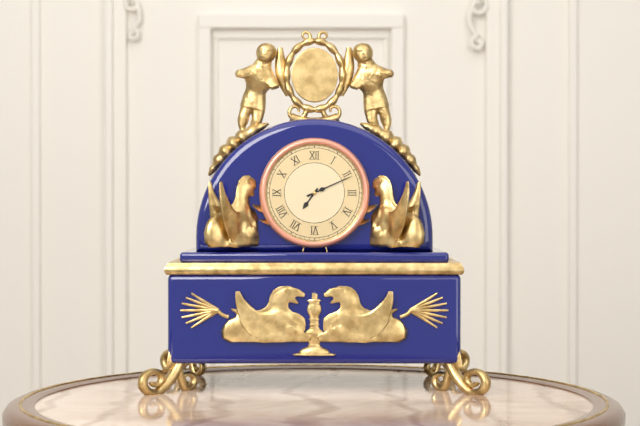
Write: 7h11
